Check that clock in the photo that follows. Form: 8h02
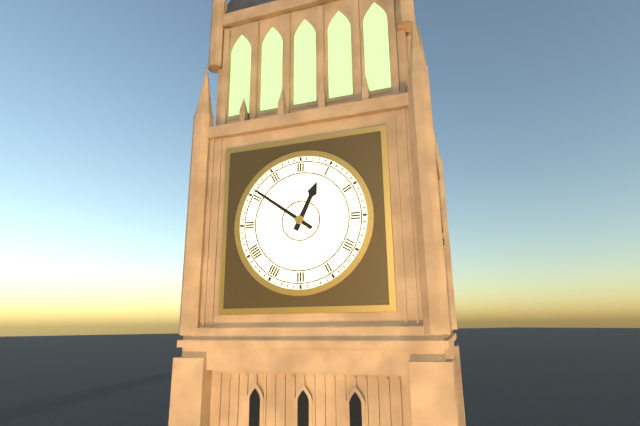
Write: 12h51
